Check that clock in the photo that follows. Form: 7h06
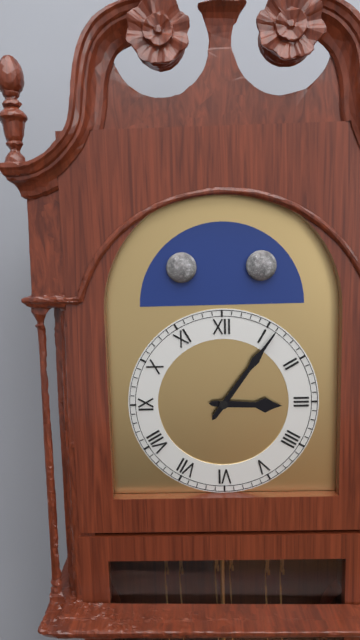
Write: 3h06
